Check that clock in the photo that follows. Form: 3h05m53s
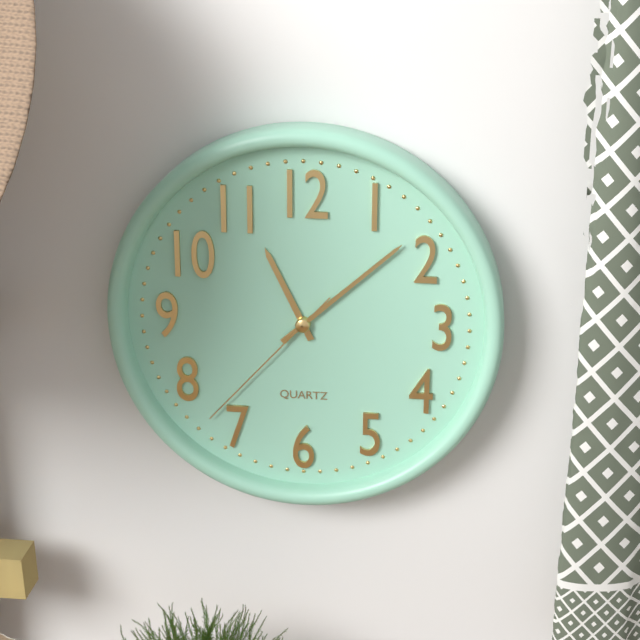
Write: 11h08m37s
